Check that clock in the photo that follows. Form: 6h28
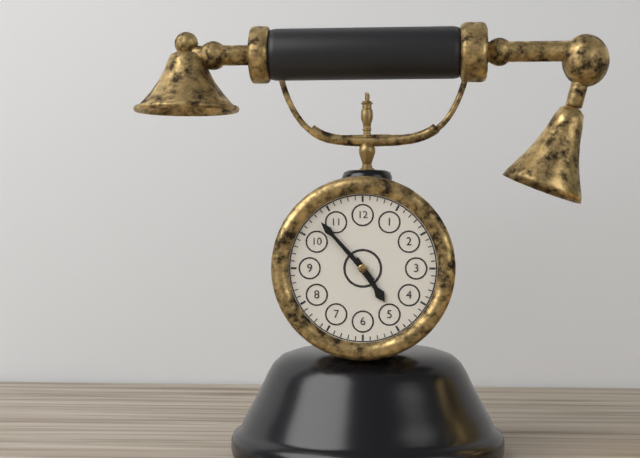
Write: 4h53
